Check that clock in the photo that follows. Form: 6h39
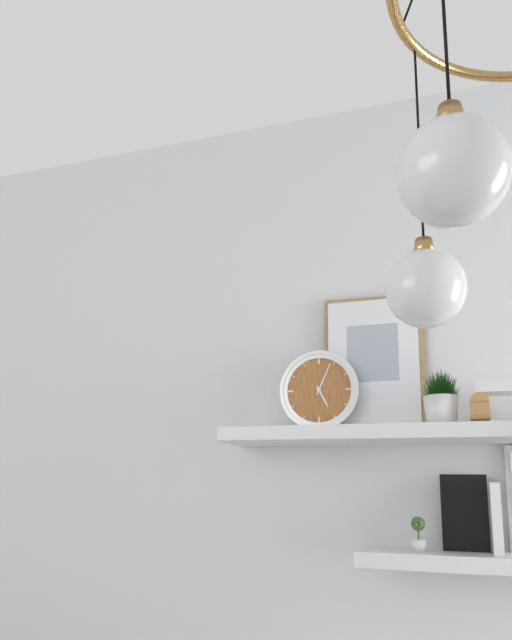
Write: 5h04
